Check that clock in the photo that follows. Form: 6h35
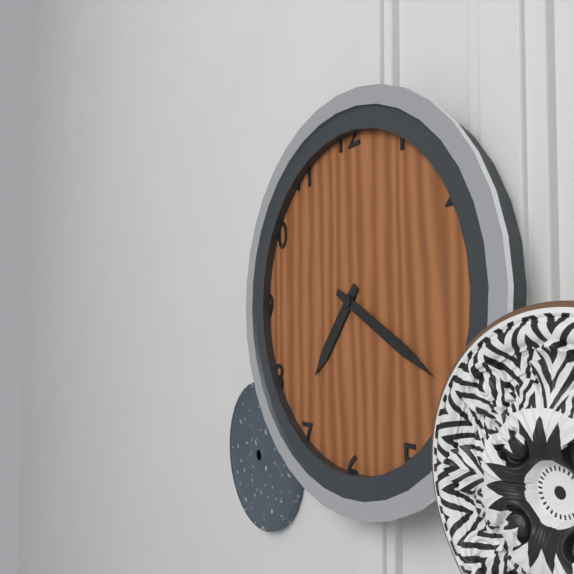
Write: 7h20
